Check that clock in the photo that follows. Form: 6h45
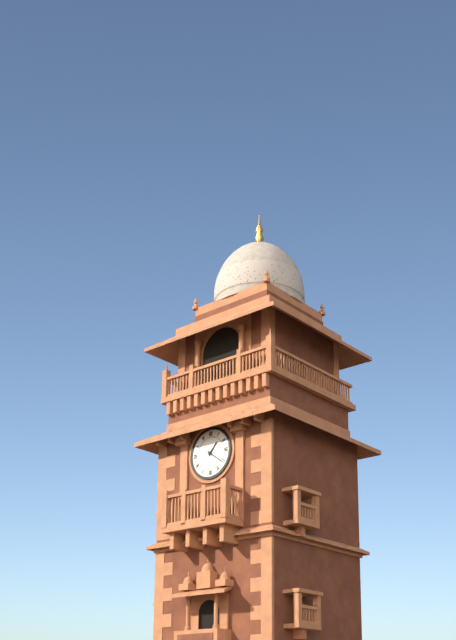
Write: 1h21
